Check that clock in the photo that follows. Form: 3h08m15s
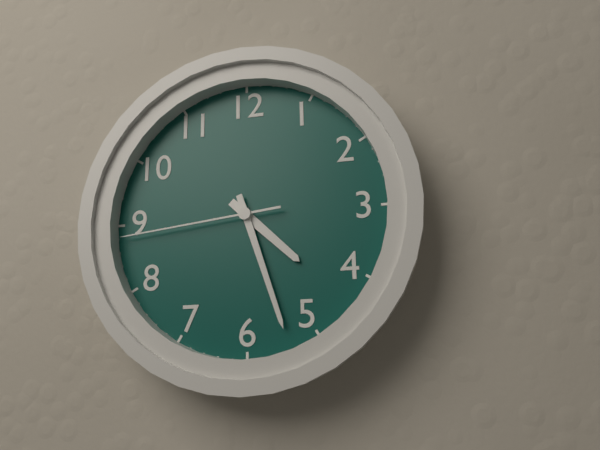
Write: 4h27m44s
